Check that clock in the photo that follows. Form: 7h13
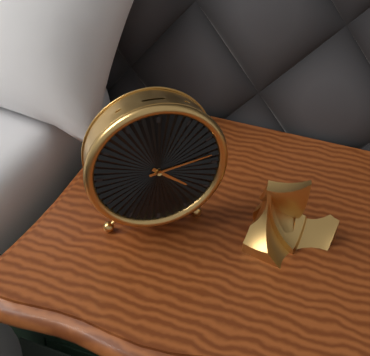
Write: 4h13
